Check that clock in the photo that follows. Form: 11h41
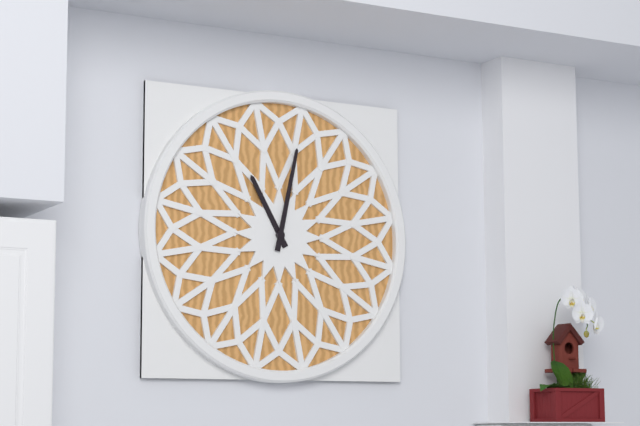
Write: 11h02
